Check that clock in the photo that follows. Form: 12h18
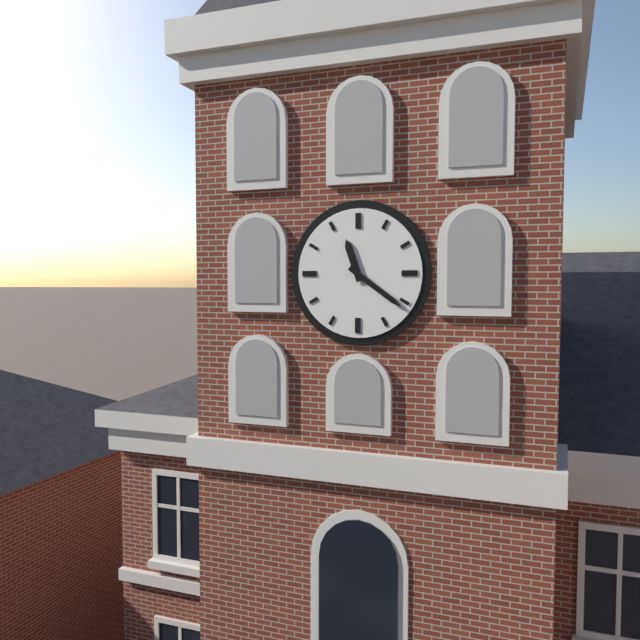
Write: 11h21
